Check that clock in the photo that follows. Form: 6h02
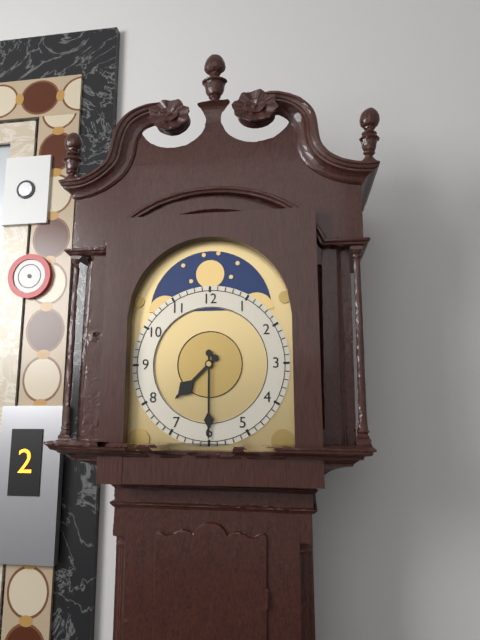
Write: 7h30
